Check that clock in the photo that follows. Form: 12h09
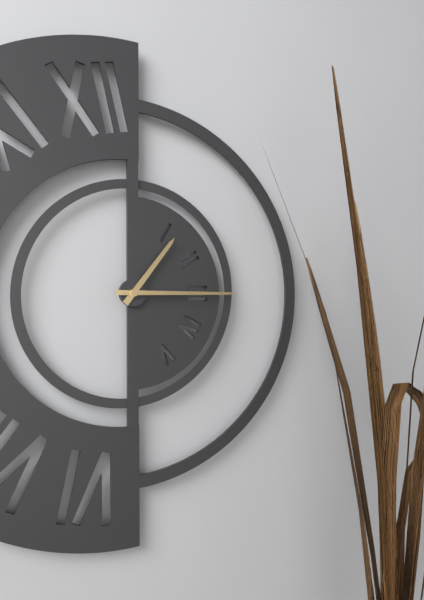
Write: 1h15
